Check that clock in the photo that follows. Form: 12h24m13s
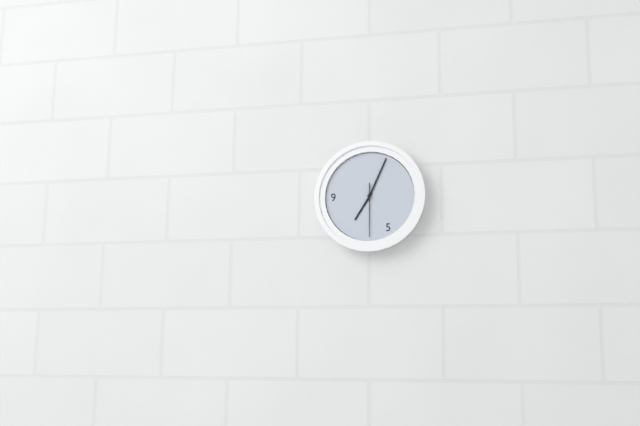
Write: 7h04m30s
